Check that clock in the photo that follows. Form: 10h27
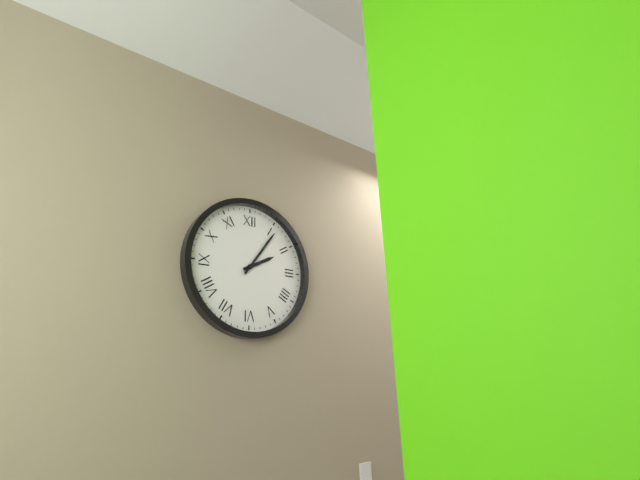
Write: 2h06
